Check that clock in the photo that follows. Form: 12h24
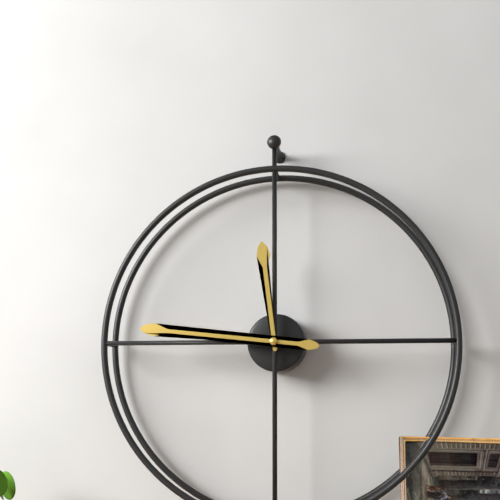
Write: 11h46
